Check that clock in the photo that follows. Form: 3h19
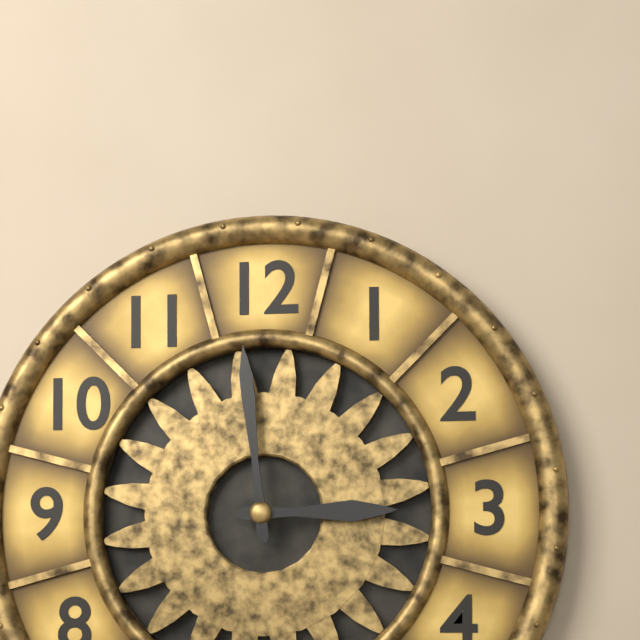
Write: 2h59
